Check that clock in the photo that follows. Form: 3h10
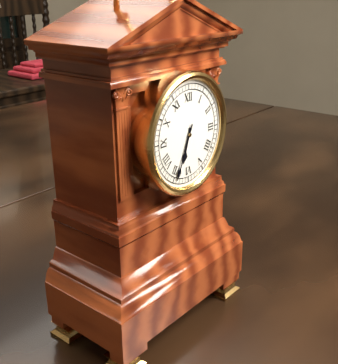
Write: 6h34
